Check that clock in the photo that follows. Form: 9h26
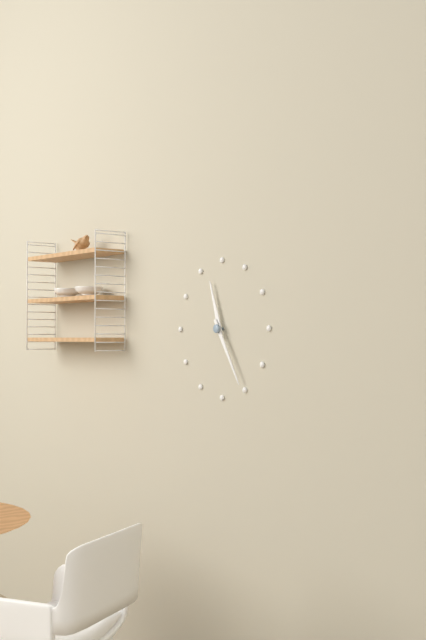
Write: 11h25
